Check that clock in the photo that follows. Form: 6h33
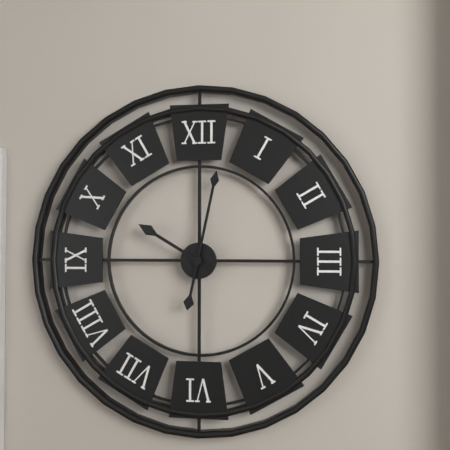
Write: 10h02
